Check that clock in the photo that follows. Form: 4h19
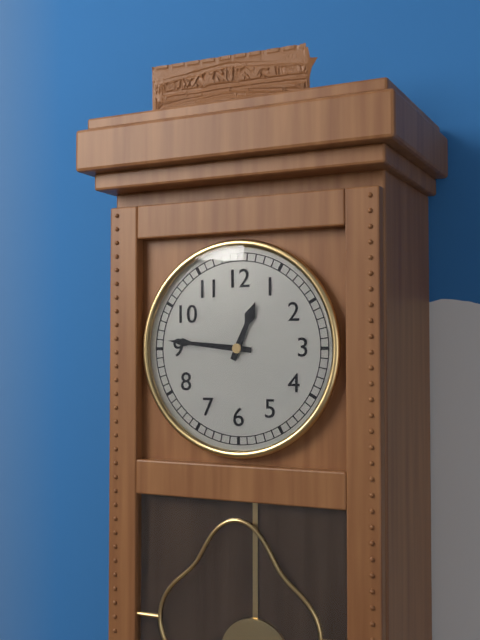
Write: 12h46
